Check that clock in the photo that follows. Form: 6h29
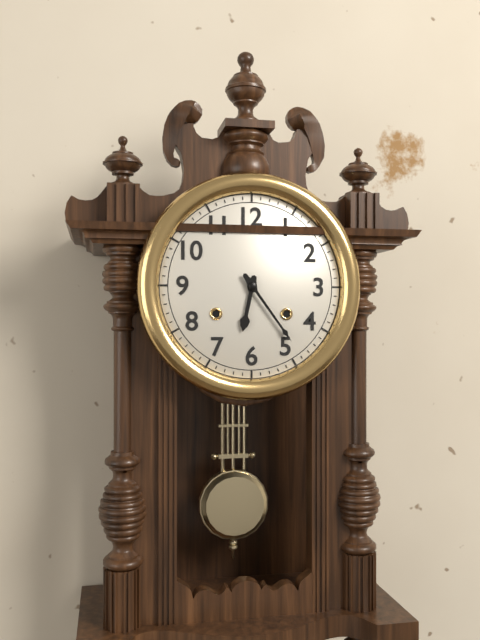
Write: 6h24
